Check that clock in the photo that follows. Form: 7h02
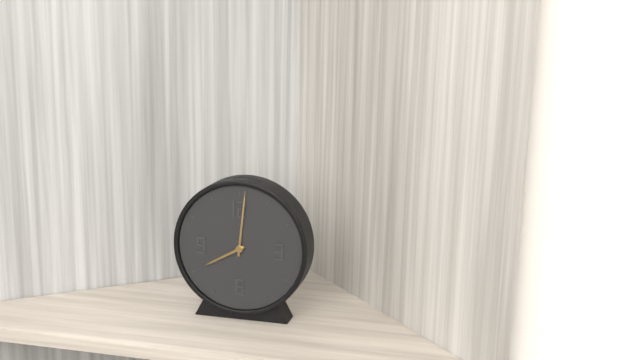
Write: 8h01
